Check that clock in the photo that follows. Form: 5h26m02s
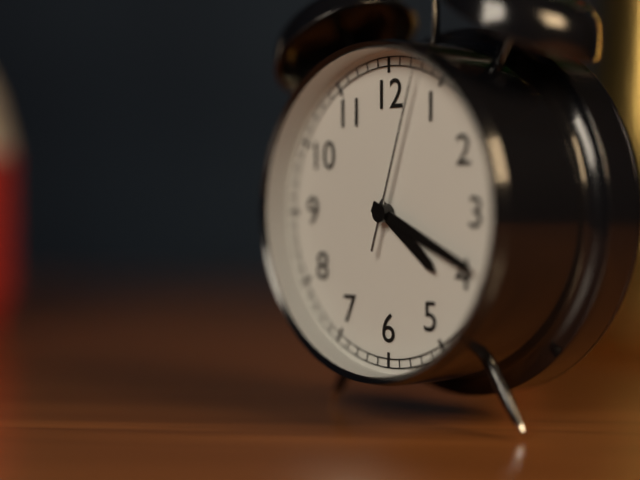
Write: 4h19m03s
